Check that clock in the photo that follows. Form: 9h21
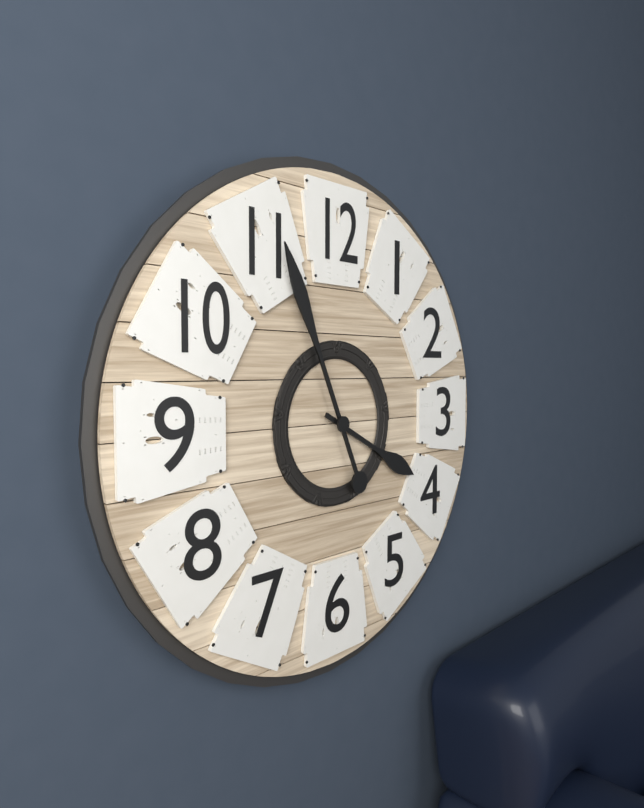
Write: 3h56
